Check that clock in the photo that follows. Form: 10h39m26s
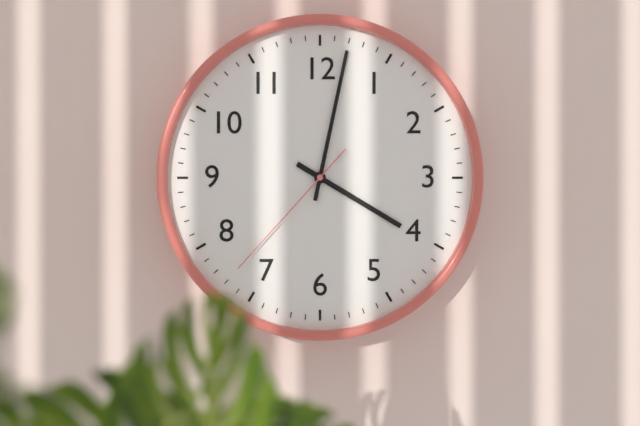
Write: 4h02m37s
